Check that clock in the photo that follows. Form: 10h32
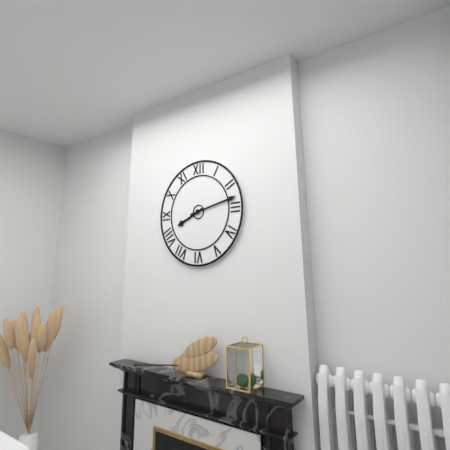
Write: 8h13
